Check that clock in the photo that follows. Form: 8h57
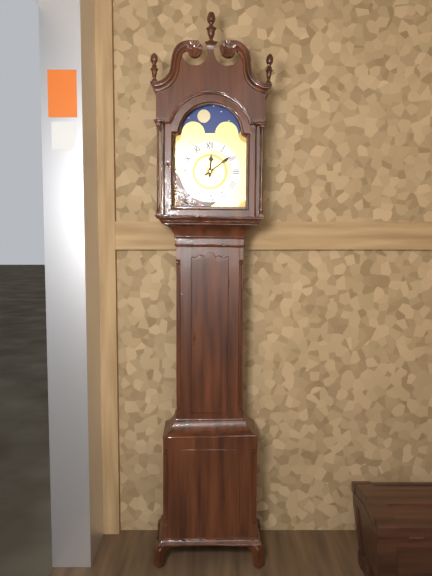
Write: 12h09
